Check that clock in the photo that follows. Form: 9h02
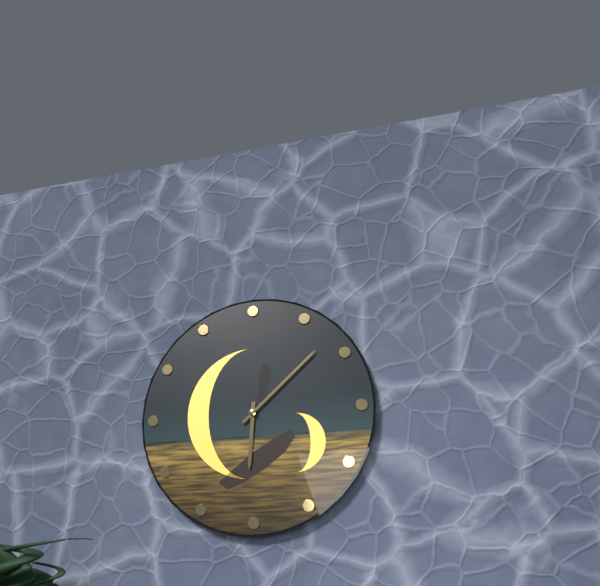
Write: 6h08
